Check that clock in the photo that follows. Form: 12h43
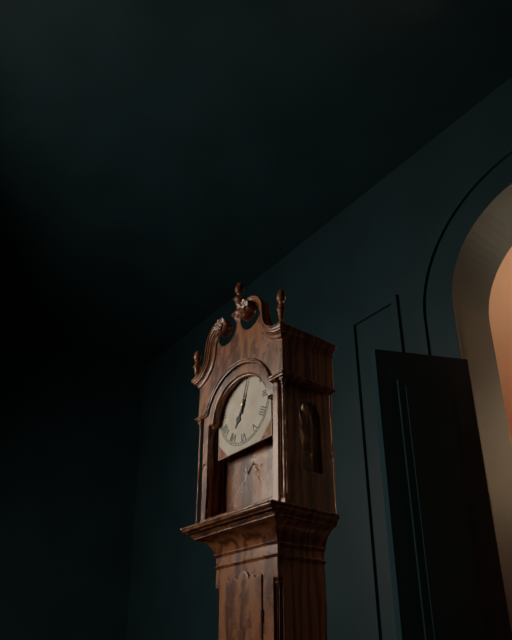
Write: 7h03
